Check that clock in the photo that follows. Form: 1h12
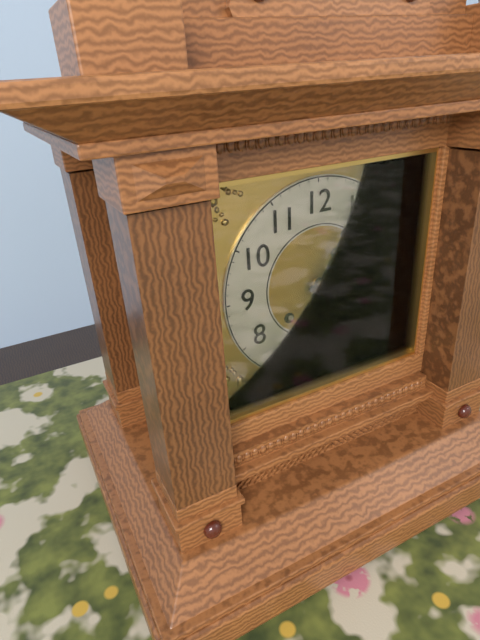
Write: 2h05
